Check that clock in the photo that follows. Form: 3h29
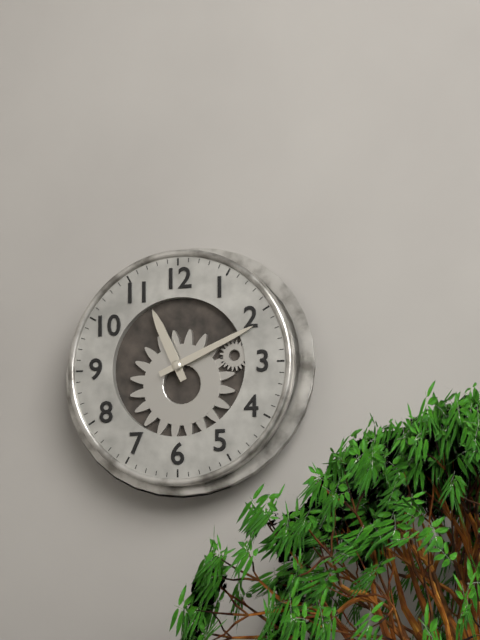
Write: 11h11
